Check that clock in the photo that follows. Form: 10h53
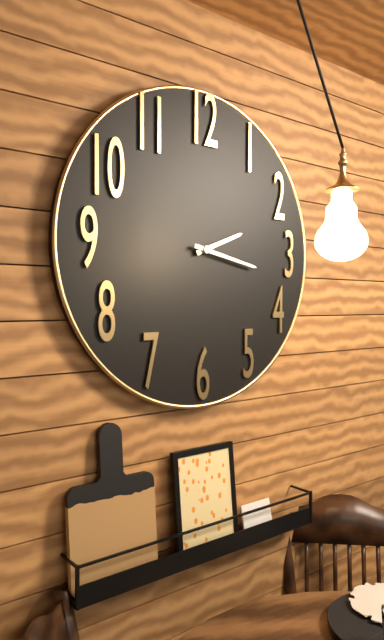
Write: 2h17
